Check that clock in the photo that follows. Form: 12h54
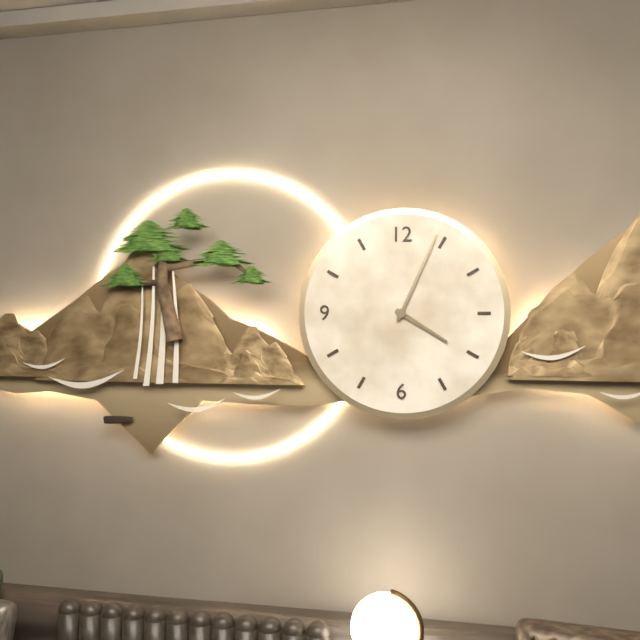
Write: 4h04
